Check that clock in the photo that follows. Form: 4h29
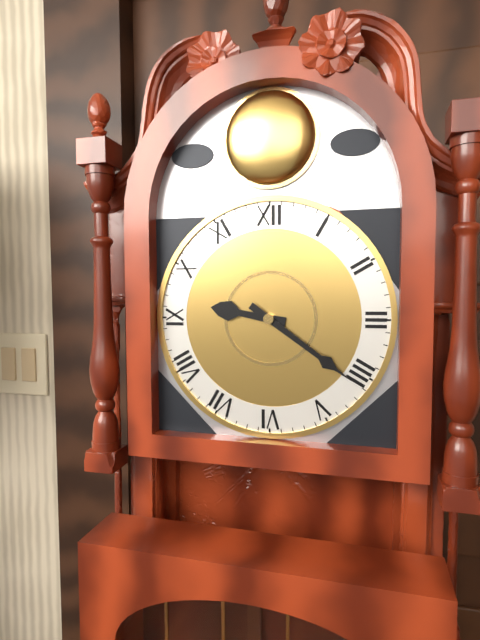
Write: 9h21
